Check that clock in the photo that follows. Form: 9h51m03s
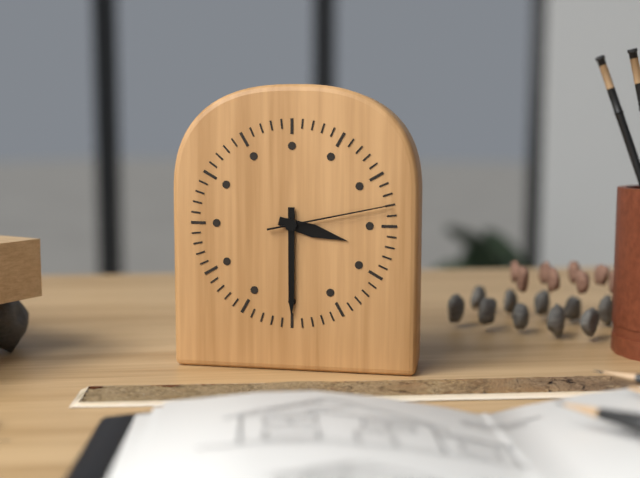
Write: 3h30m13s
